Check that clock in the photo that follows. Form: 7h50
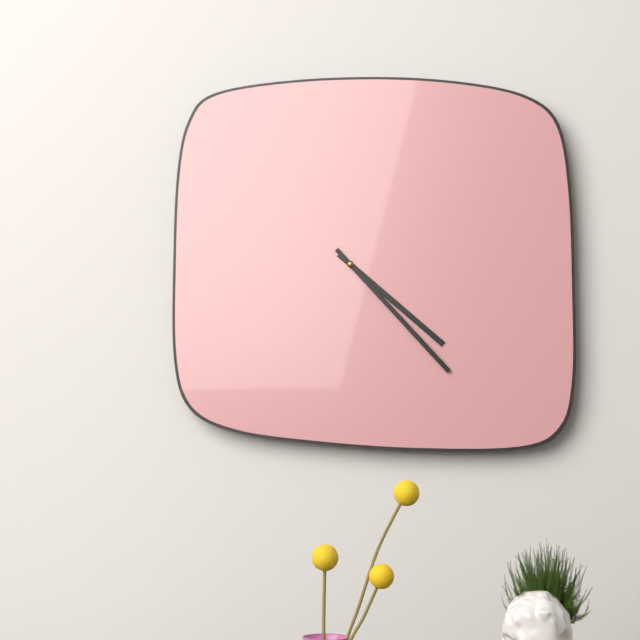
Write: 4h23
